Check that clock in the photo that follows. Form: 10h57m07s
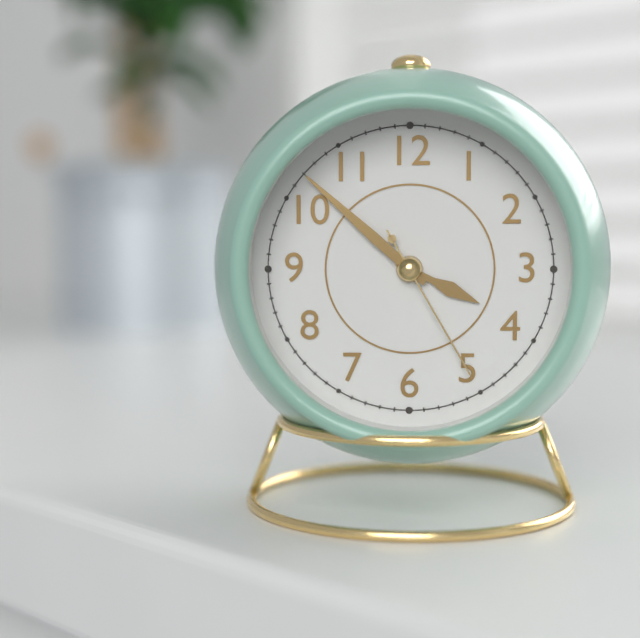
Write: 3h52m25s
